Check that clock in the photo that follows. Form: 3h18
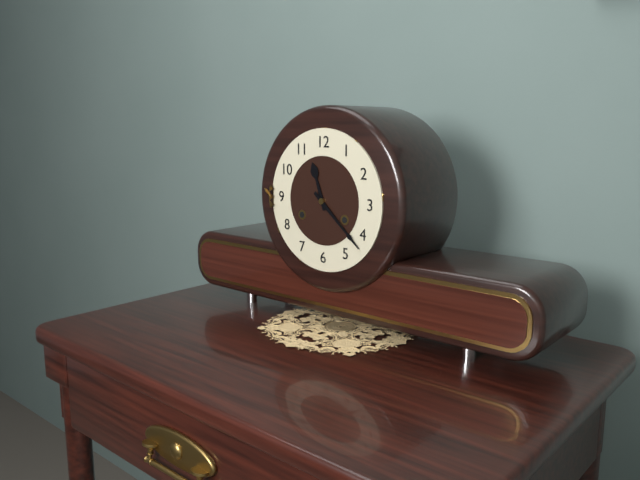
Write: 11h22
